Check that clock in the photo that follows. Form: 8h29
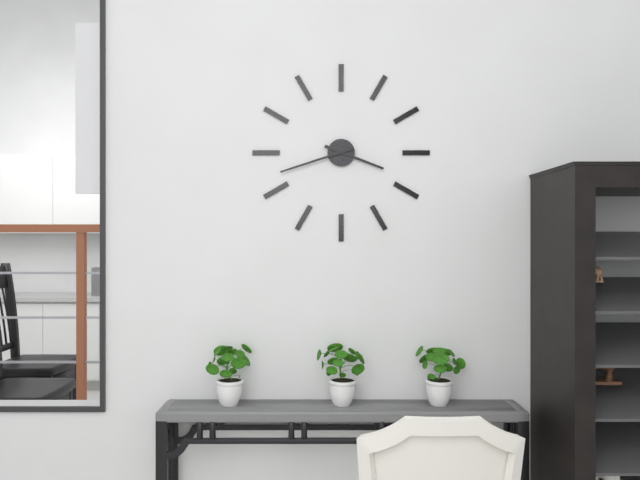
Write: 3h42
